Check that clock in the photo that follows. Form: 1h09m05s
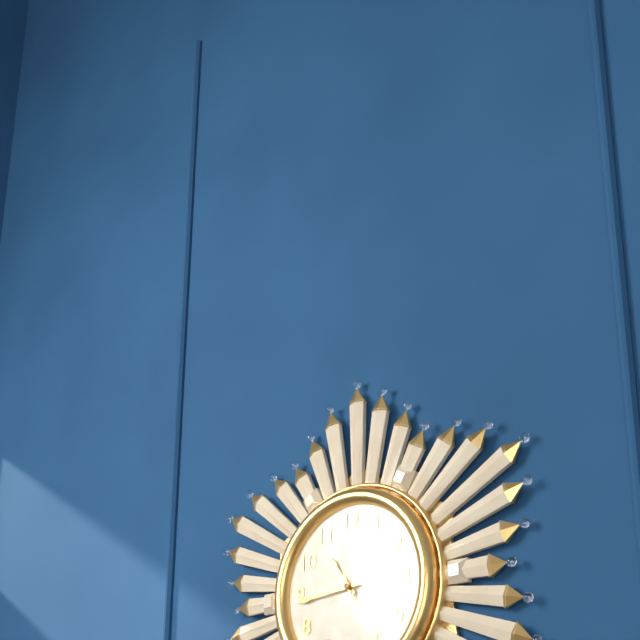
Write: 10h44m57s
